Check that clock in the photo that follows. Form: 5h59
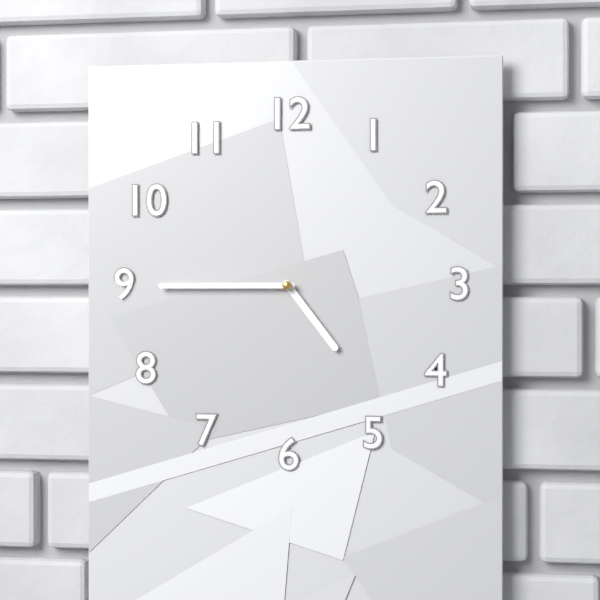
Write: 4h45
